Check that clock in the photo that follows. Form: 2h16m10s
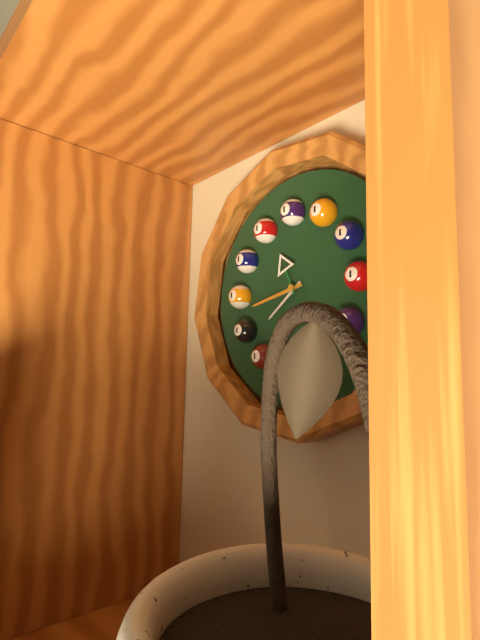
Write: 7h43m56s
